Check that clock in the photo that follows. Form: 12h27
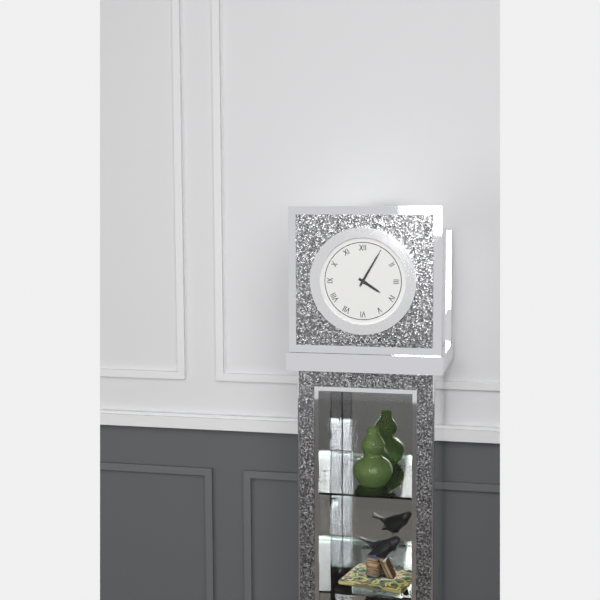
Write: 4h05
